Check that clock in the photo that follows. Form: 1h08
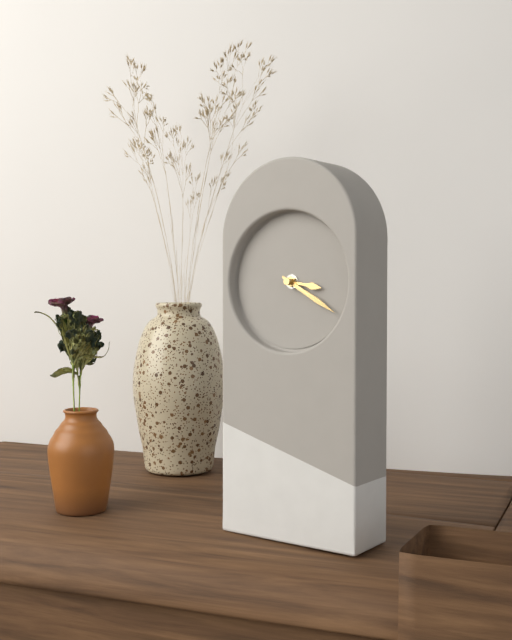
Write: 3h20
